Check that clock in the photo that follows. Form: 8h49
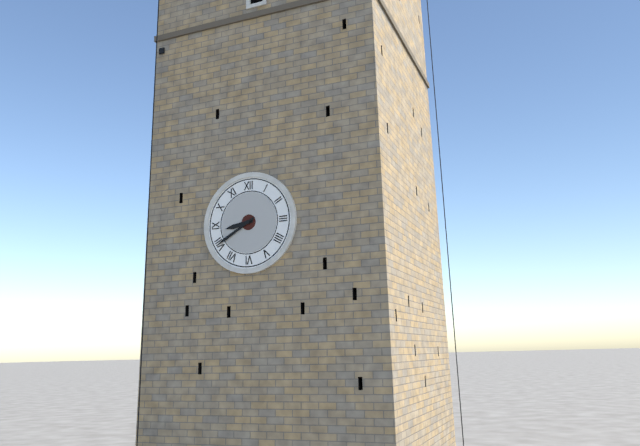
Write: 8h40
